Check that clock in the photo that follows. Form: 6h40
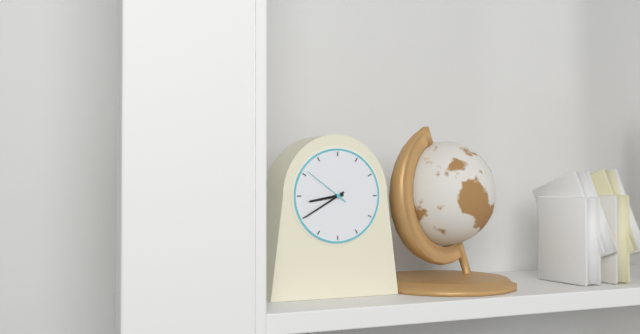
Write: 8h40
